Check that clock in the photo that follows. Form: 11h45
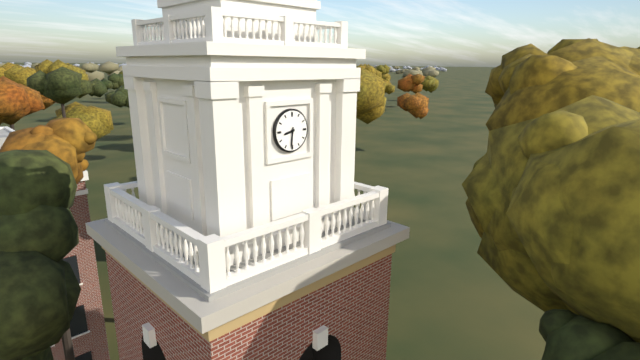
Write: 8h31
